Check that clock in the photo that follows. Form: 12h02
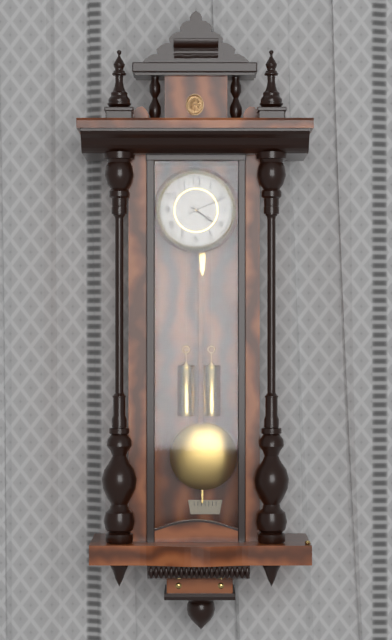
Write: 4h11
